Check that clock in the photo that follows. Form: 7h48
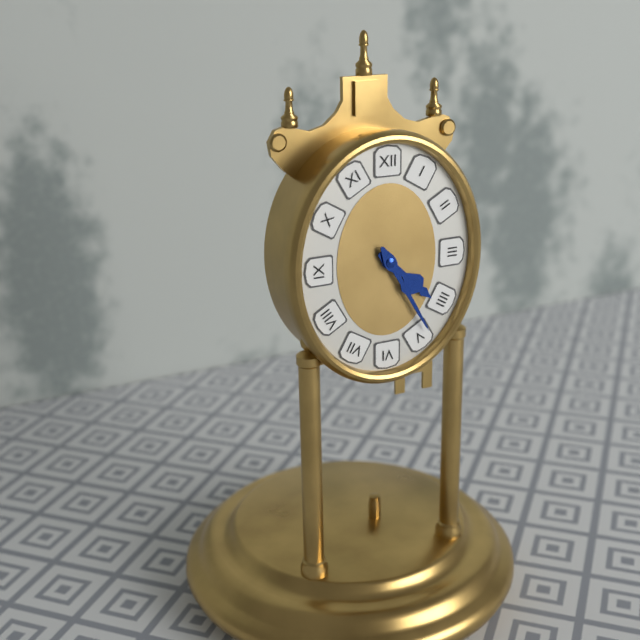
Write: 4h25
